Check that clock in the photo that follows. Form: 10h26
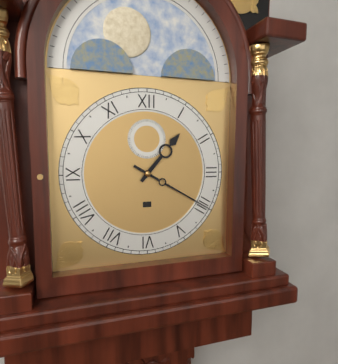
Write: 1h20
